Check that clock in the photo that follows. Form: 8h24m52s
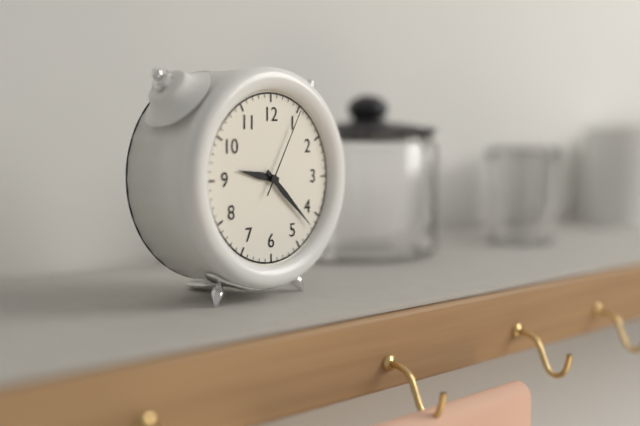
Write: 9h22m05s
